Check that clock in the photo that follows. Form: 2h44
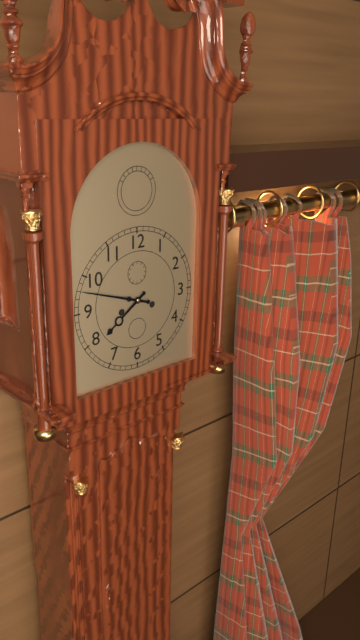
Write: 7h48
